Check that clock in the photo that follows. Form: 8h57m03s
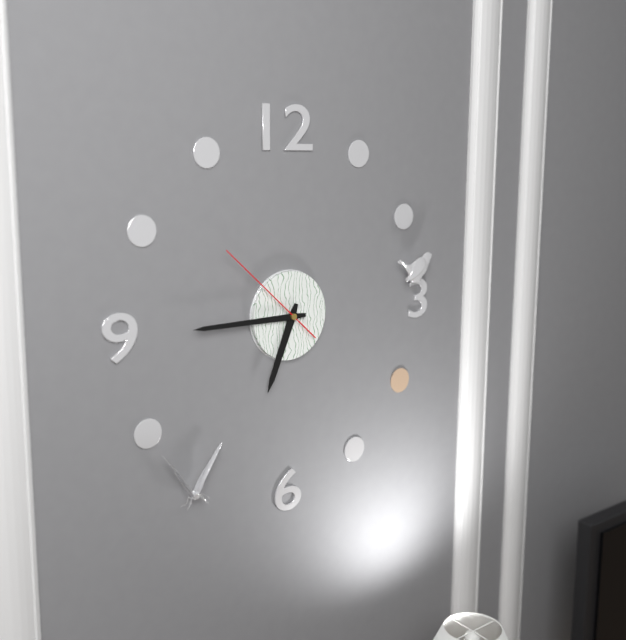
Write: 6h45m52s
